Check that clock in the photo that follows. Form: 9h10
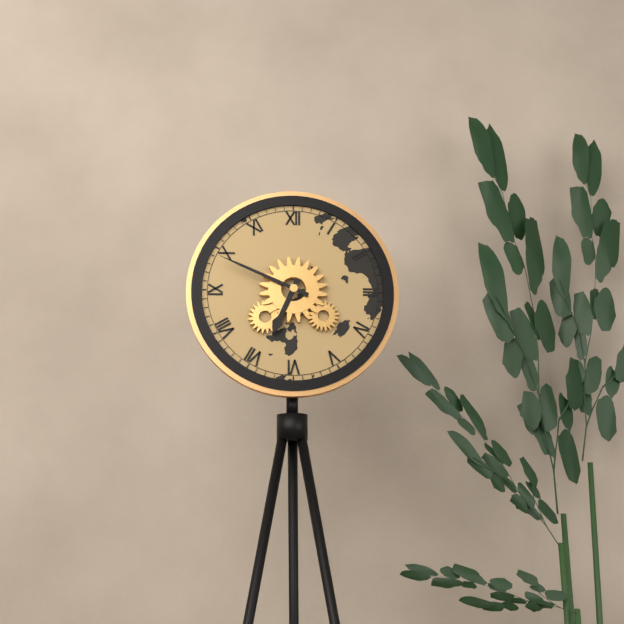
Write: 6h49
